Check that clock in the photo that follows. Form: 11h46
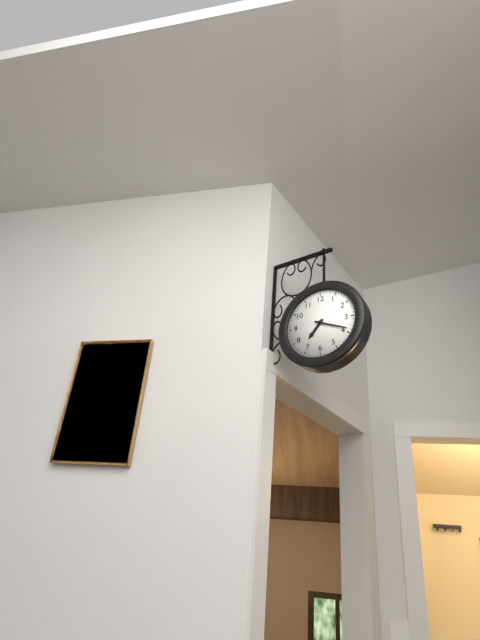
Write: 7h19
